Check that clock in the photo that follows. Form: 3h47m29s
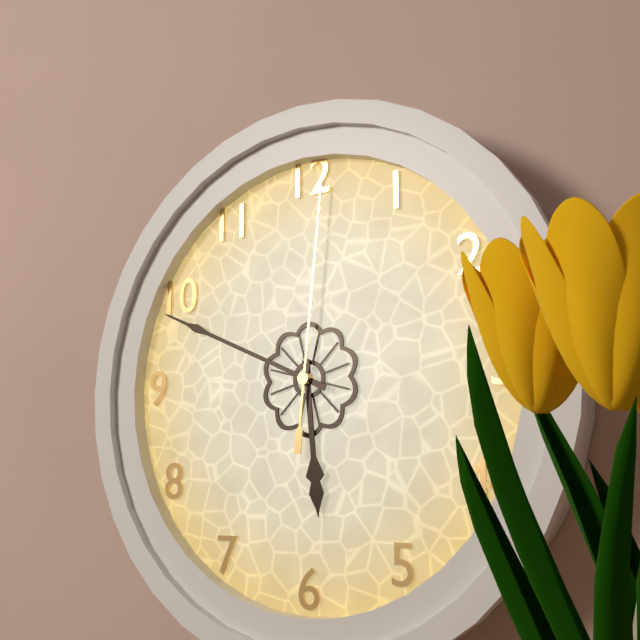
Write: 5h49m01s
